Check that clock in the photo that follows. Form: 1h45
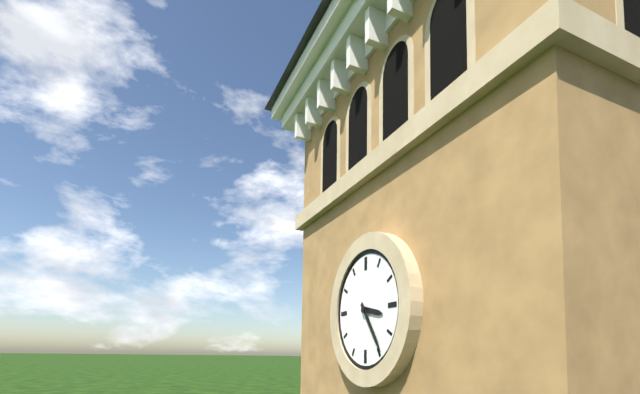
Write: 3h24
